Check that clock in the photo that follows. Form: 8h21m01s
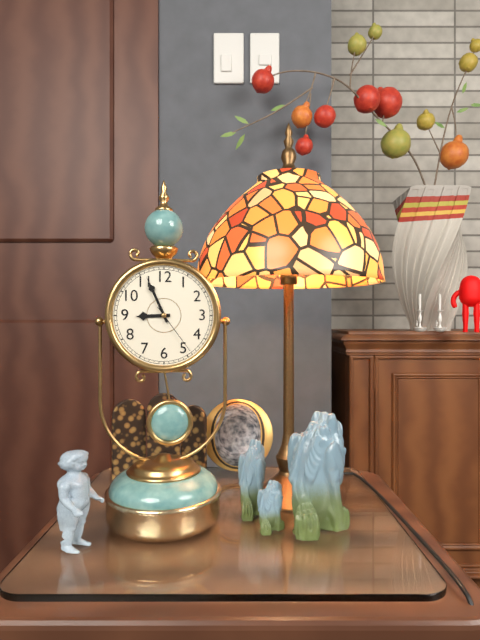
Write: 8h56m24s
